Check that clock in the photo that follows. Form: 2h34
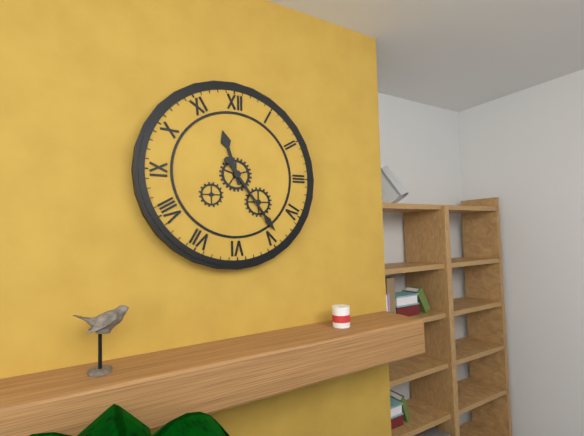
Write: 11h24
